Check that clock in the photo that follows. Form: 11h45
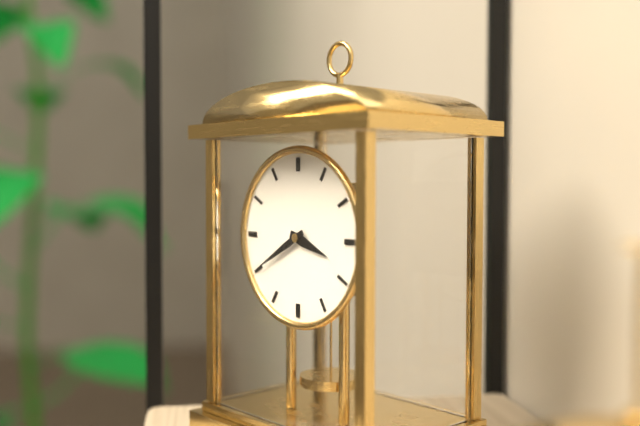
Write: 3h40
